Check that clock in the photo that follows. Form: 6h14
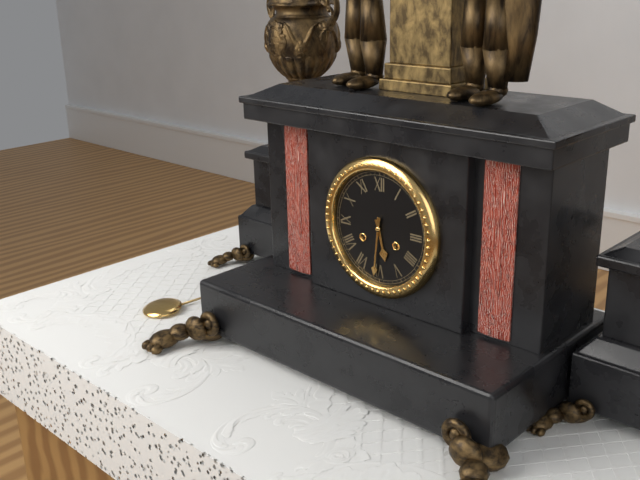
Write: 5h31
